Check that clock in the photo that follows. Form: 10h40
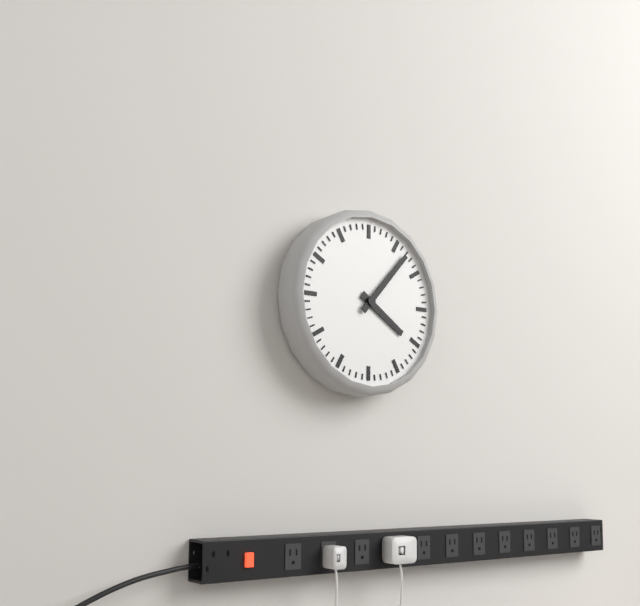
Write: 4h07
